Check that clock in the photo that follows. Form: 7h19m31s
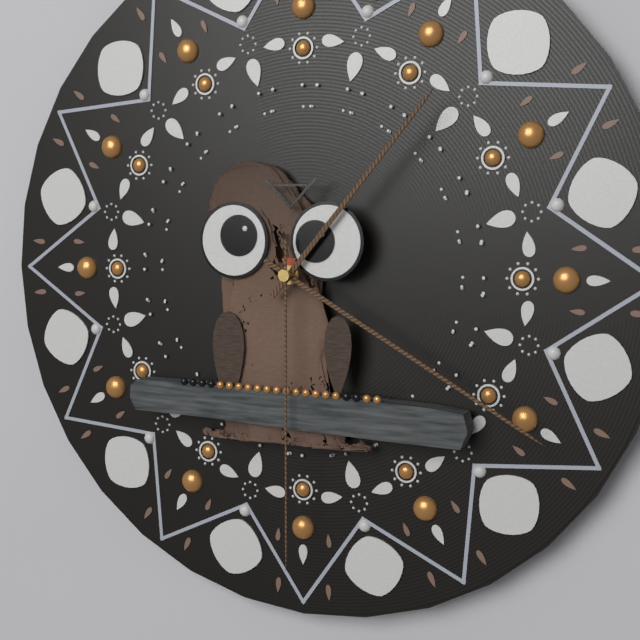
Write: 1h20m30s
